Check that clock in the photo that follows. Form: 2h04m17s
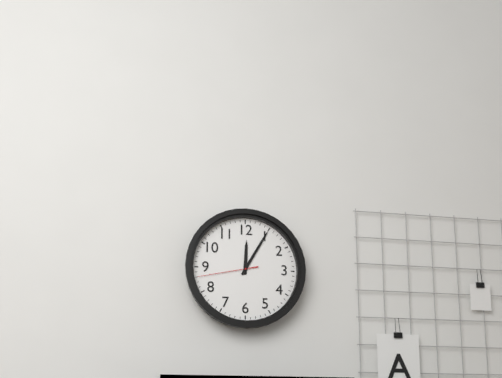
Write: 12h05m43s
